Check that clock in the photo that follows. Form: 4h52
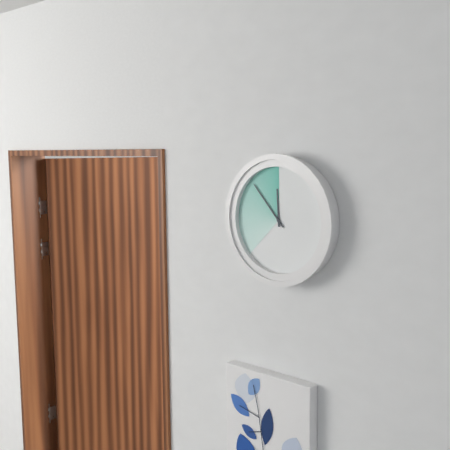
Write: 11h53
